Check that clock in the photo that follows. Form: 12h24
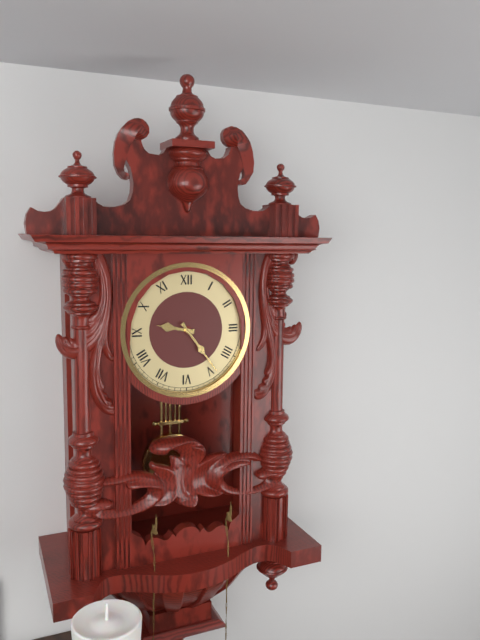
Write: 9h24
